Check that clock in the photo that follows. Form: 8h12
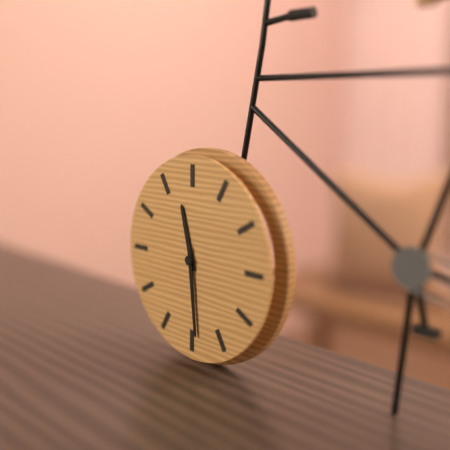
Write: 11h29
